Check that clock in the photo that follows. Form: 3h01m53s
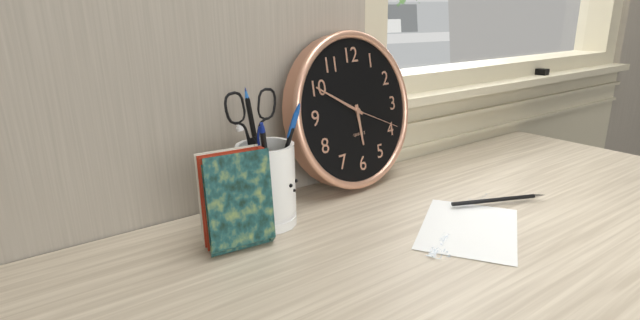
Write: 5h50m19s
